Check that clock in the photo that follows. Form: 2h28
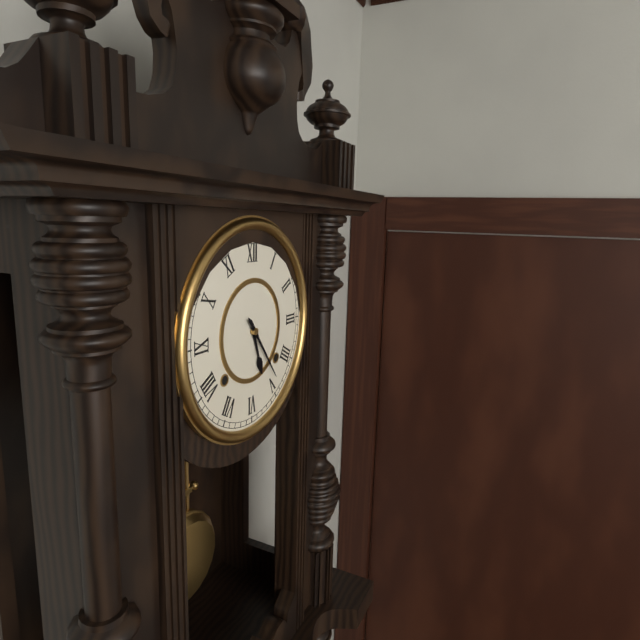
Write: 5h24
